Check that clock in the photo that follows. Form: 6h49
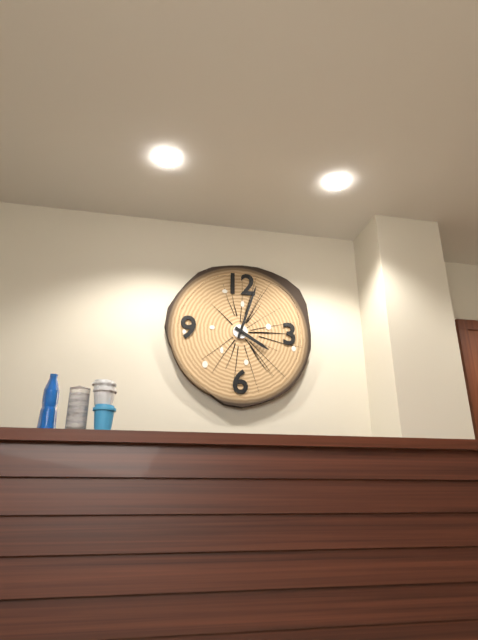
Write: 4h03
